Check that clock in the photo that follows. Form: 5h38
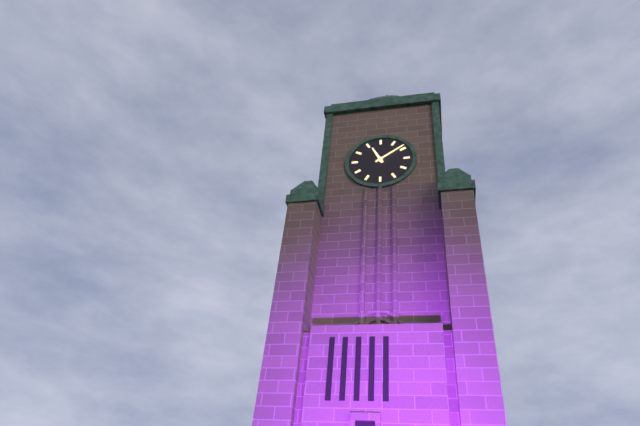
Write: 11h09
